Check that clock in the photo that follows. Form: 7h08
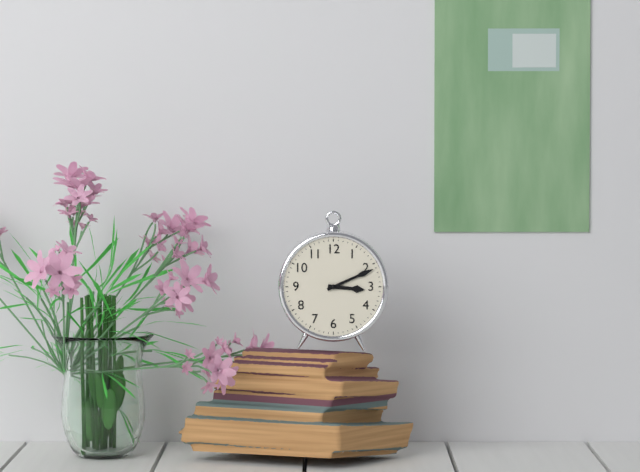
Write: 3h11
